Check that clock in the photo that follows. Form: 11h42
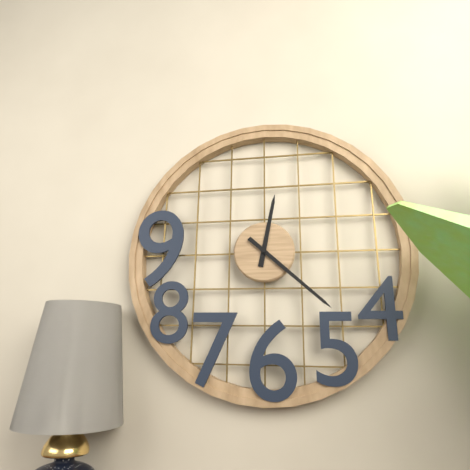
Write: 12h22
